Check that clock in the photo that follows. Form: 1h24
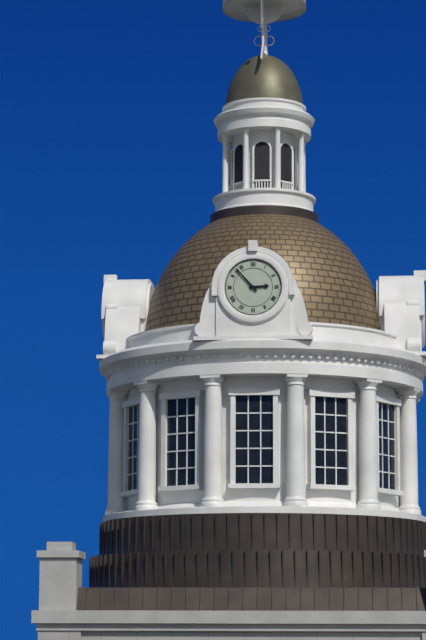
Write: 2h53
